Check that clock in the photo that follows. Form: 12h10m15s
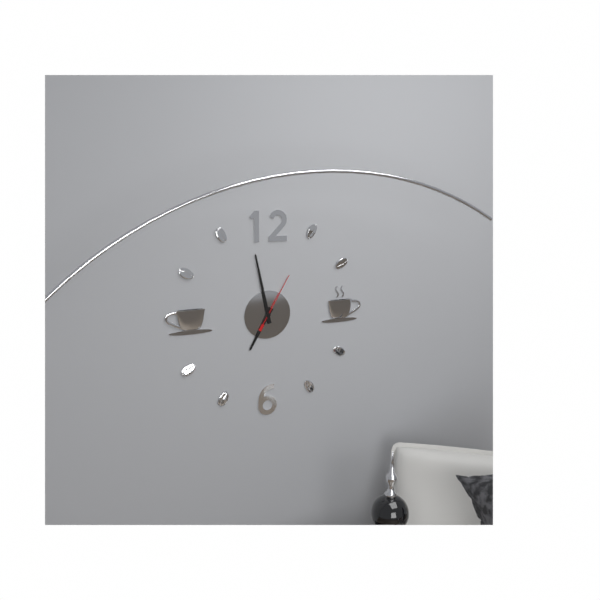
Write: 6h58m05s
